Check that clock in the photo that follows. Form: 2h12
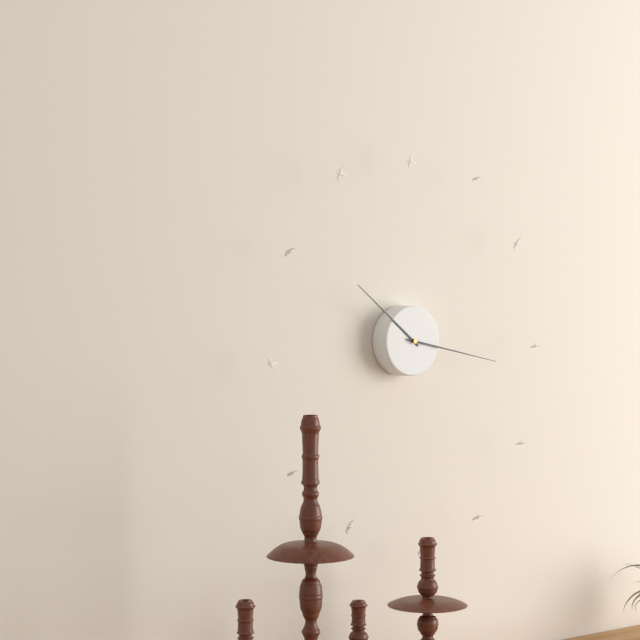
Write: 10h17
